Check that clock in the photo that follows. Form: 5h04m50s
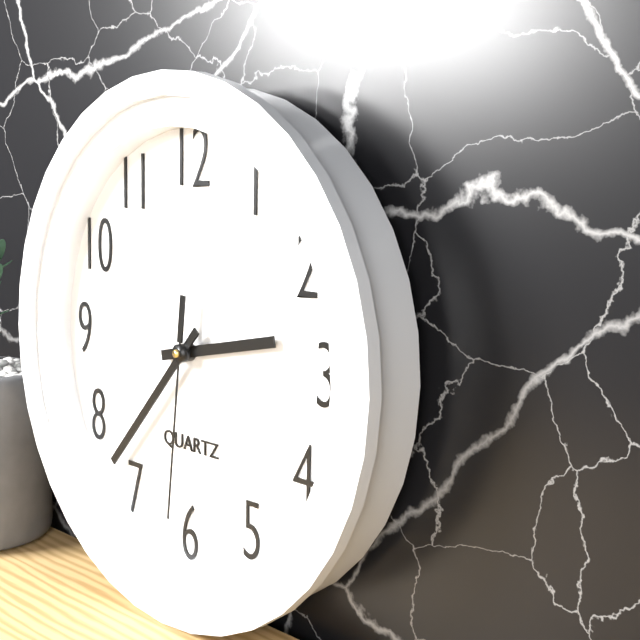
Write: 2h37m31s
